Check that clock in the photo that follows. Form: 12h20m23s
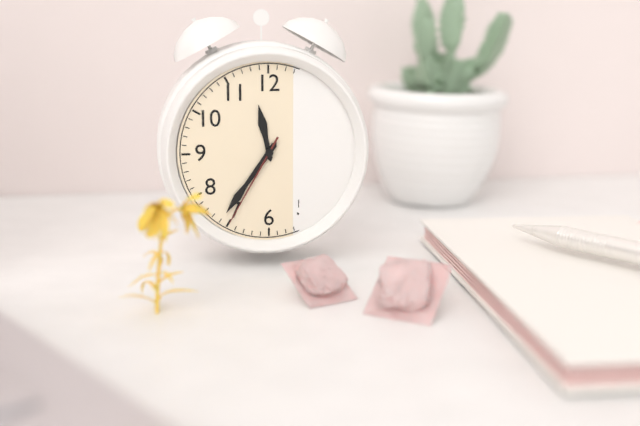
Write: 11h36m35s
